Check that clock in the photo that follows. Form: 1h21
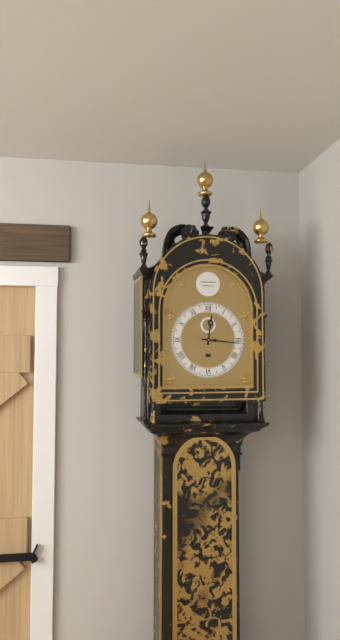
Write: 12h16
